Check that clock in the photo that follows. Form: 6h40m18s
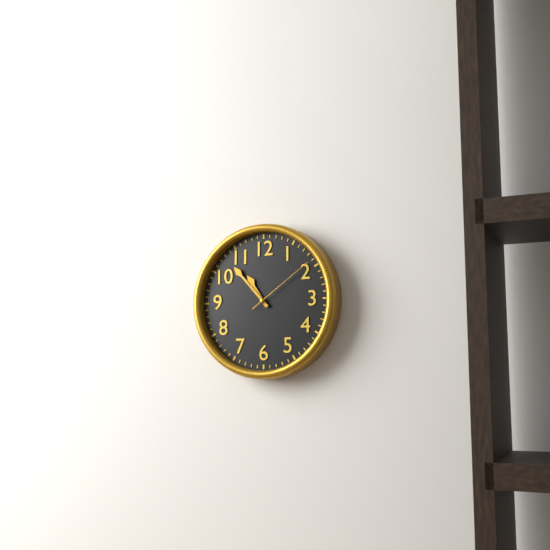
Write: 10h53m09s
